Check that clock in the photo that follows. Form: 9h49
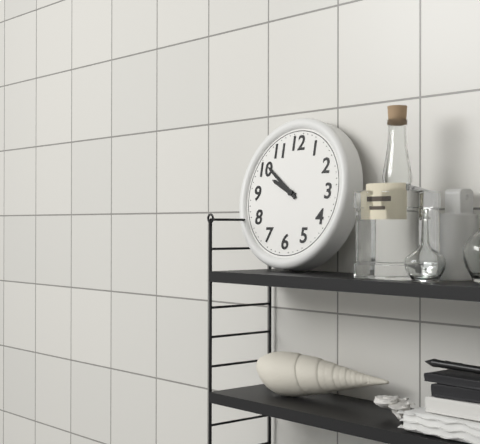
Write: 9h51
